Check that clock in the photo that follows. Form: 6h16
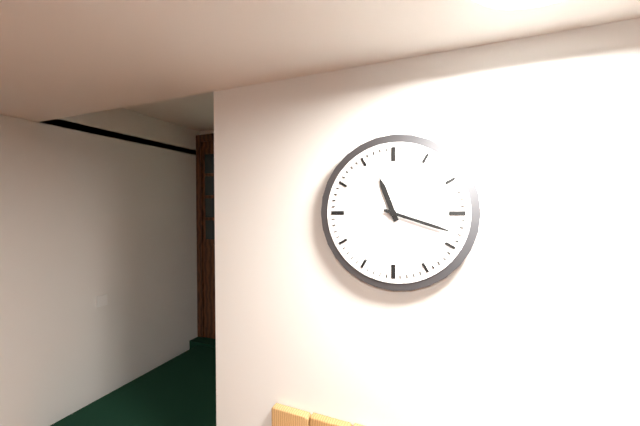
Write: 11h18
